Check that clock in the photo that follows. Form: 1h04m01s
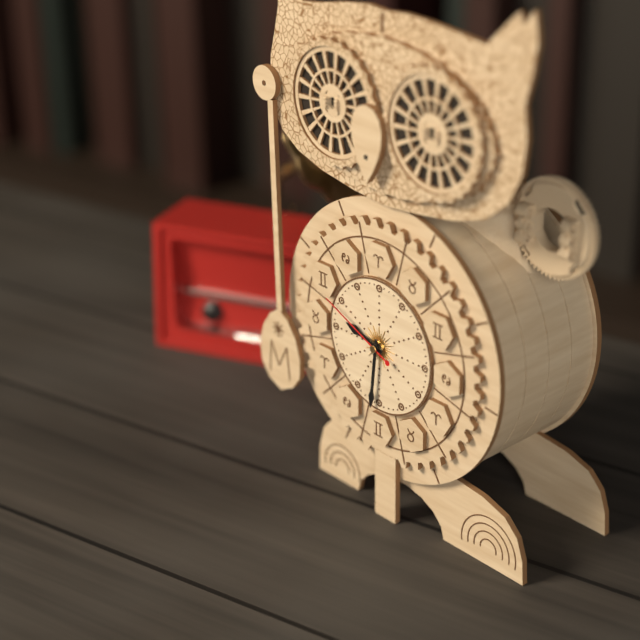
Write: 9h31m49s
